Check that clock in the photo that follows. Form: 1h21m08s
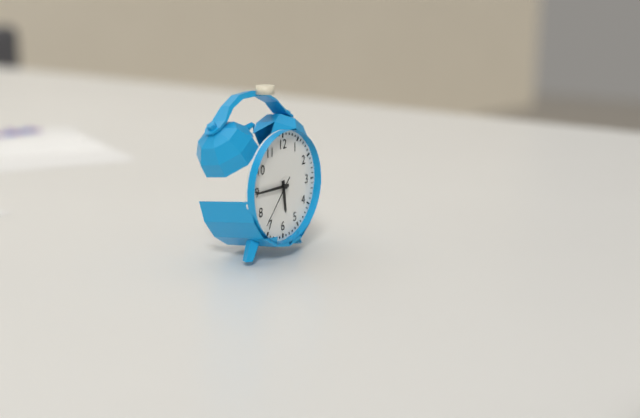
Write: 5h45m37s
